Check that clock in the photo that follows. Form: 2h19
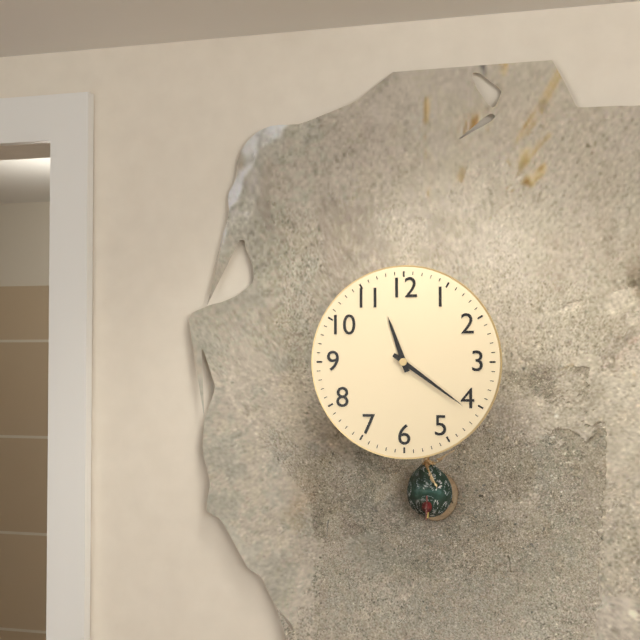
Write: 11h21
